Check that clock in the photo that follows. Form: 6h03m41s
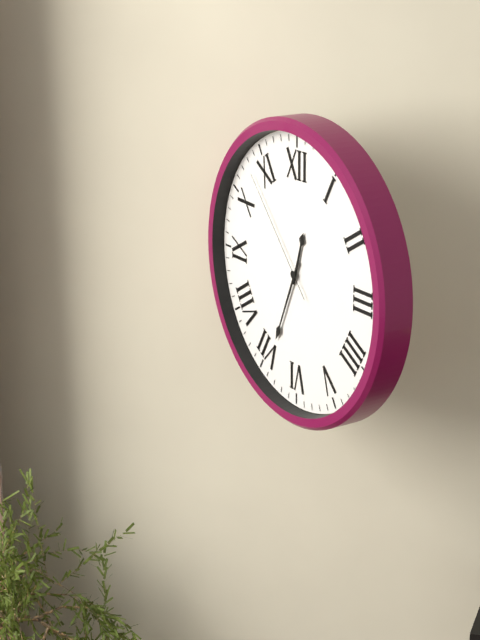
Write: 12h34m53s
